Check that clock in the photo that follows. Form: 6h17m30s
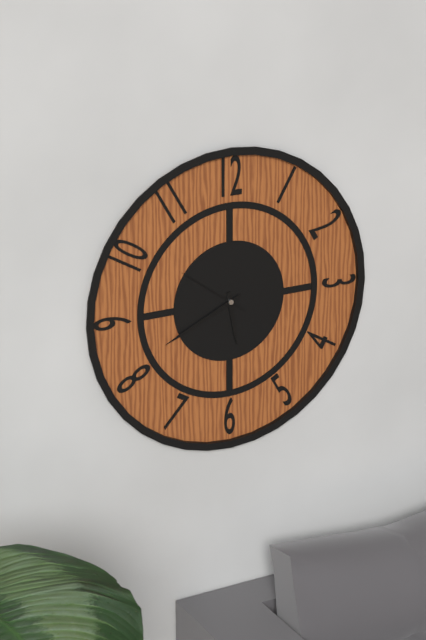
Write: 5h41m51s
